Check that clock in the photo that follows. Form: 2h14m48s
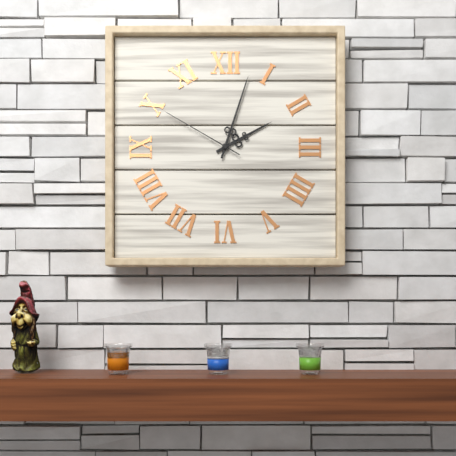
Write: 2h03m50s
